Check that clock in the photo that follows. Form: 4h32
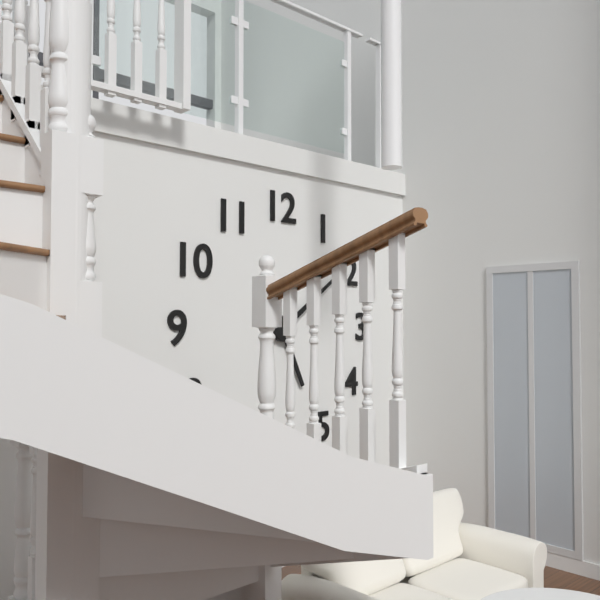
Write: 5h09
